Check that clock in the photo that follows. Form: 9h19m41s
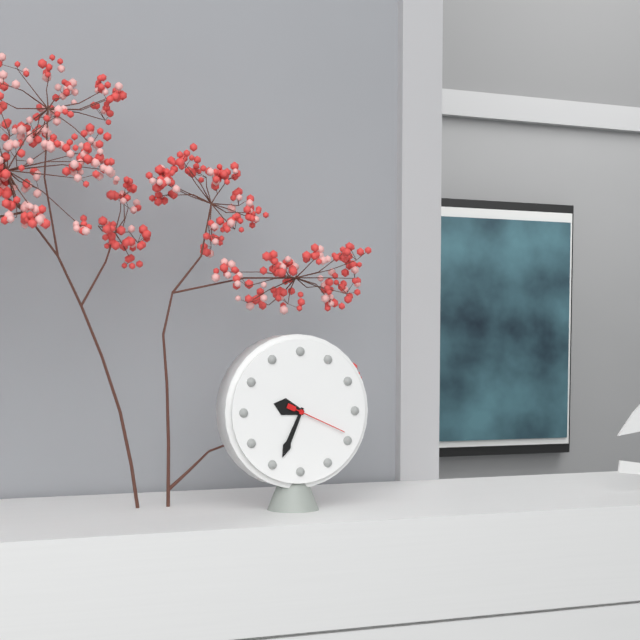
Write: 9h34m19s
